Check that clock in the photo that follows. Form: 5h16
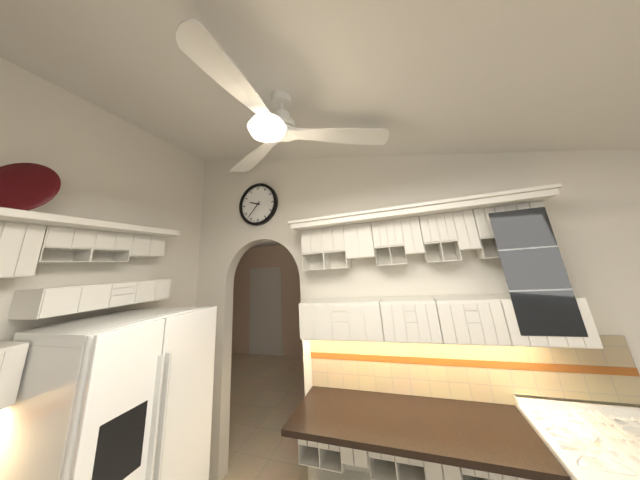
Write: 9h37
